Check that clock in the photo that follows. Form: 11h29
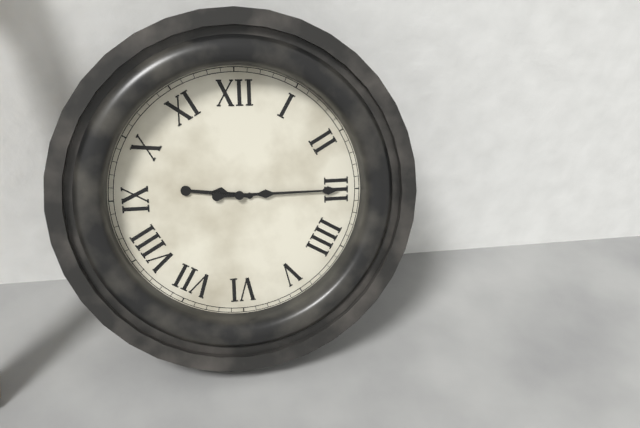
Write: 9h15
